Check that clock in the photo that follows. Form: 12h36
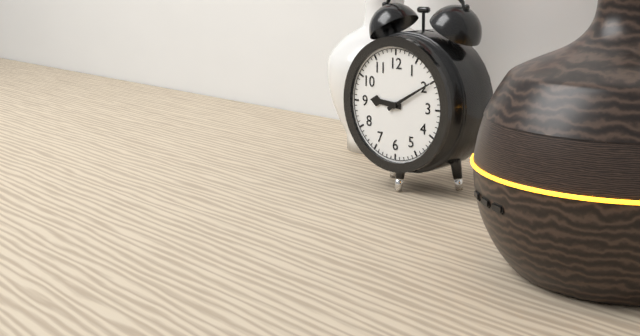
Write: 9h10
